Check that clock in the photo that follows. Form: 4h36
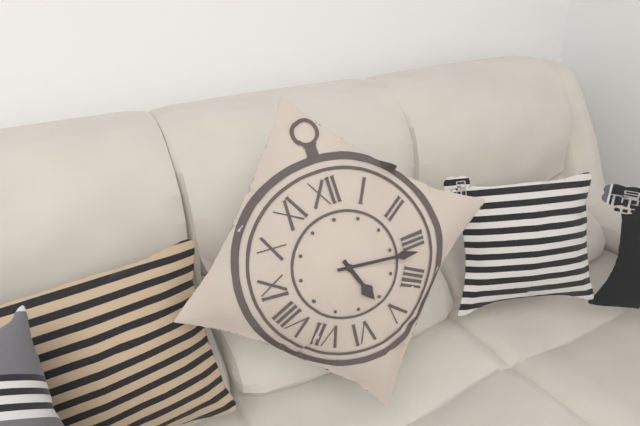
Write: 5h16
